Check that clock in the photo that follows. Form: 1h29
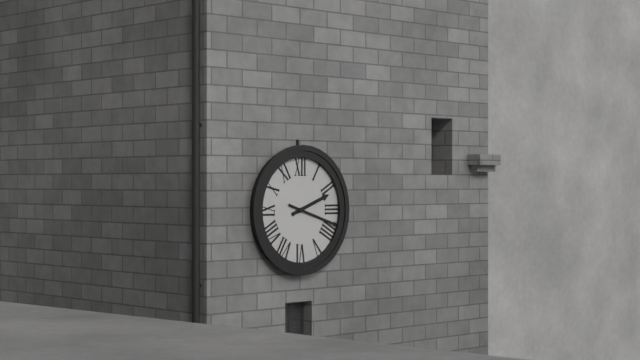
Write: 2h18
